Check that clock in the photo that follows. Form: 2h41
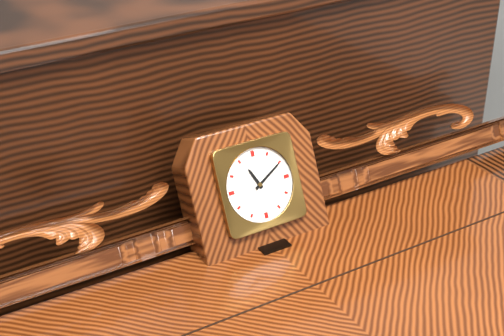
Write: 11h10
